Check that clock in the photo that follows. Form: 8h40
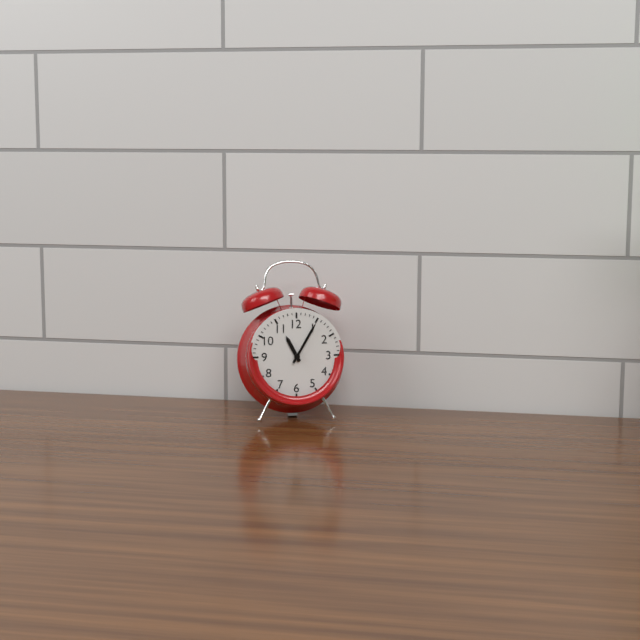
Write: 11h05
